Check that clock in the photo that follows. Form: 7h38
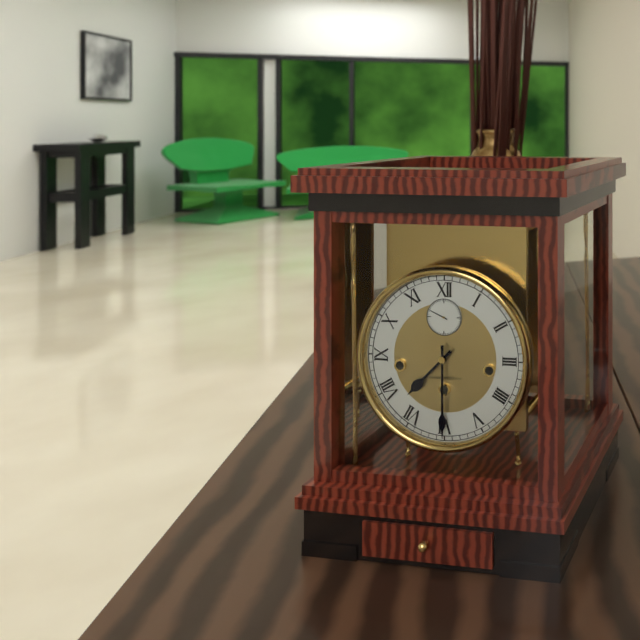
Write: 7h30
